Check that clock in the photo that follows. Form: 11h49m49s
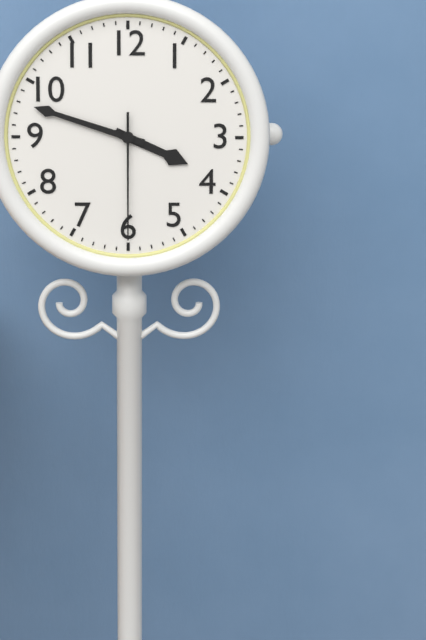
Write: 3h48m30s
